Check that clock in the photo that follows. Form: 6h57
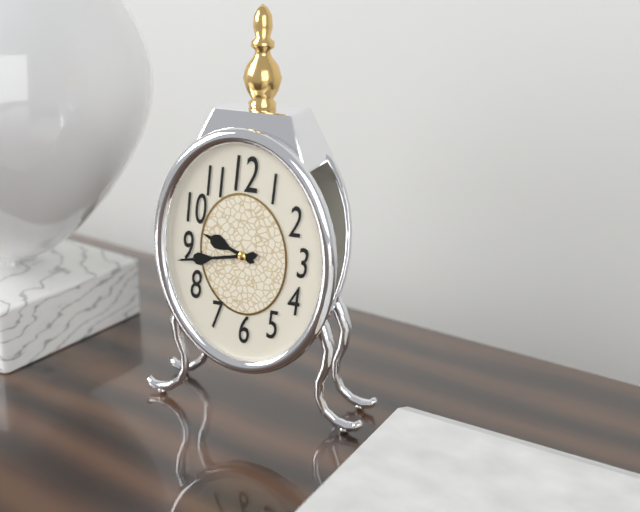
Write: 9h43
